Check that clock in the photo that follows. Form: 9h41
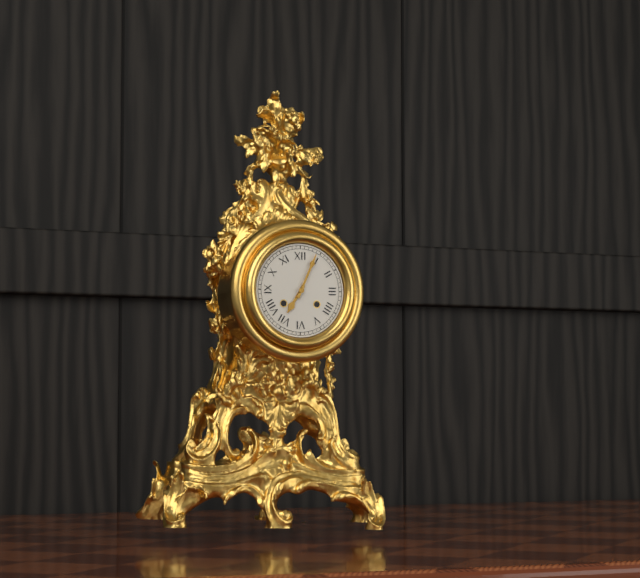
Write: 7h04
